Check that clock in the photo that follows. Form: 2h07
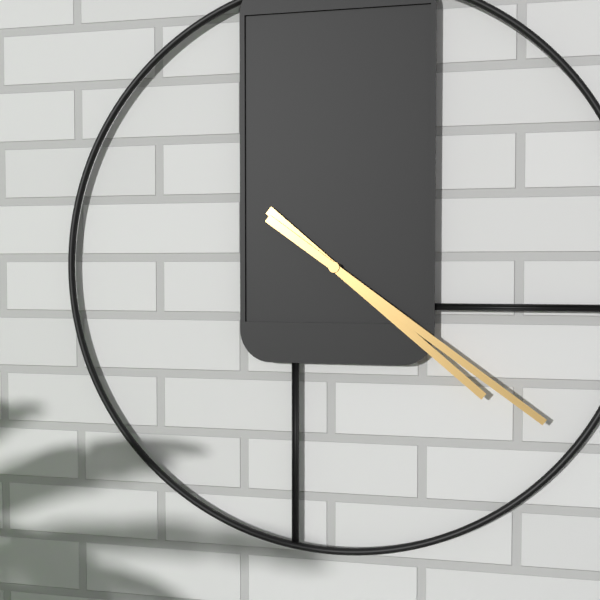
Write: 4h21
